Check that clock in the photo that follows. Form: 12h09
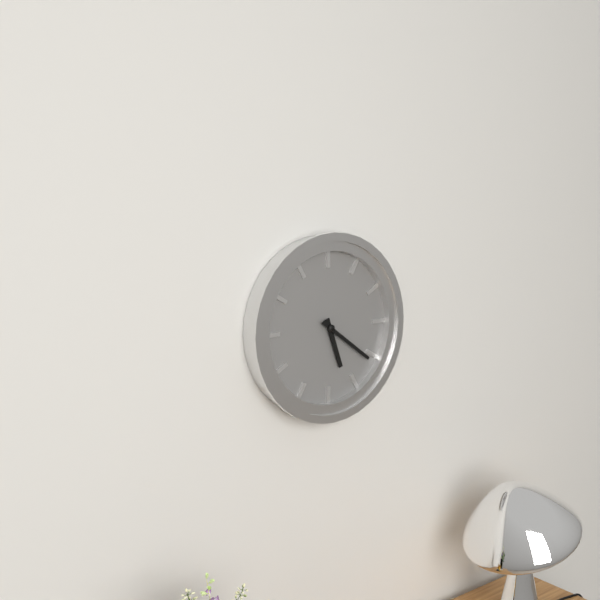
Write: 5h21
